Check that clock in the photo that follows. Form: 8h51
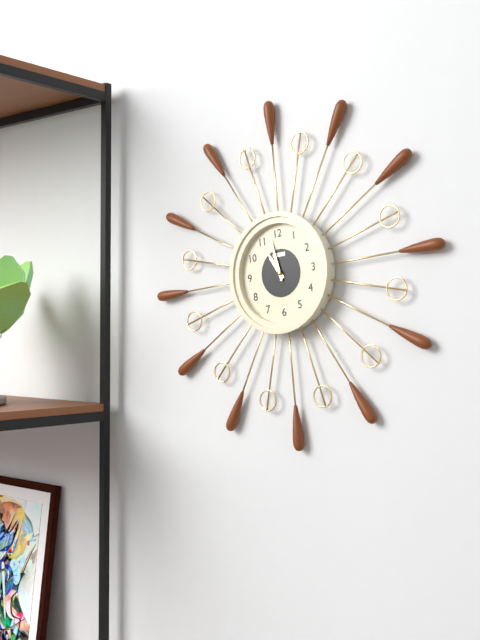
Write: 10h58
